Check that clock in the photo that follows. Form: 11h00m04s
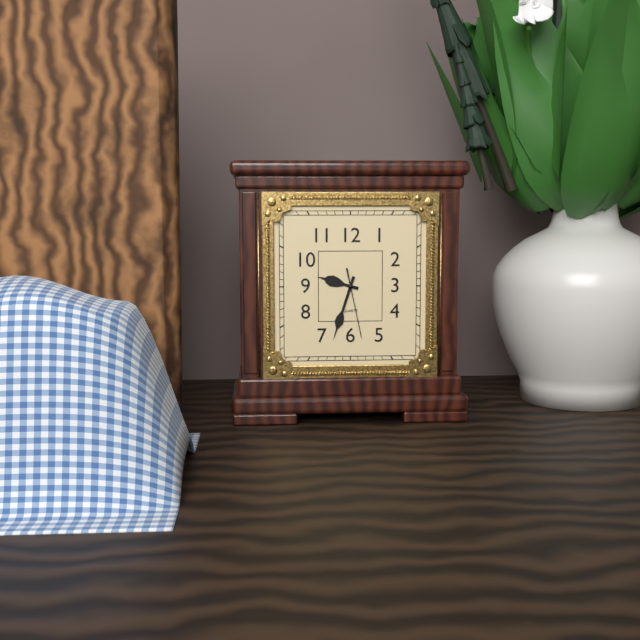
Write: 9h33m28s
